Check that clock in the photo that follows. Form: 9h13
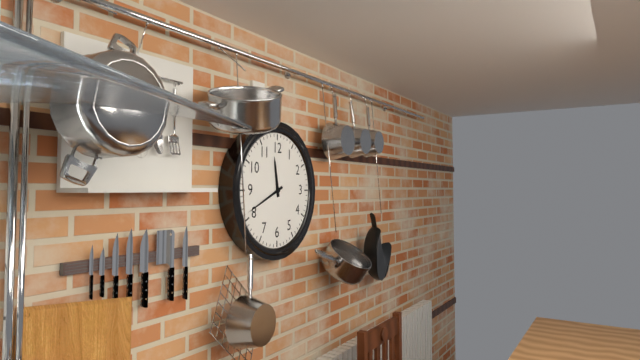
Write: 11h41
